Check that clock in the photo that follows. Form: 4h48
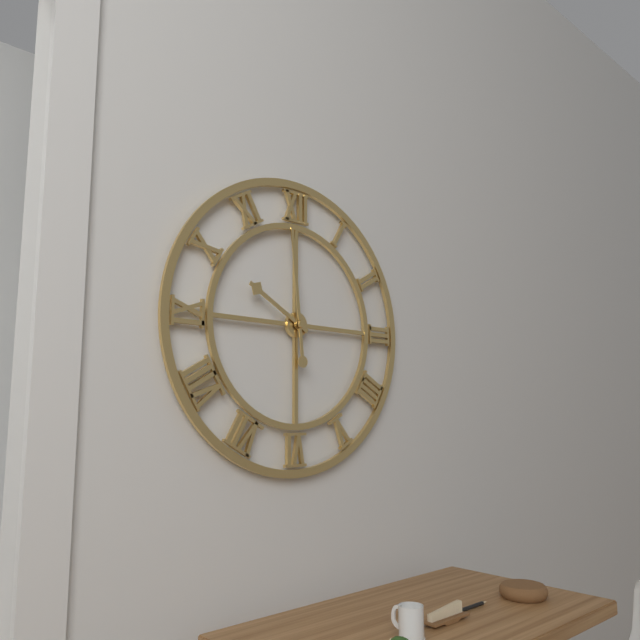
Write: 9h59
